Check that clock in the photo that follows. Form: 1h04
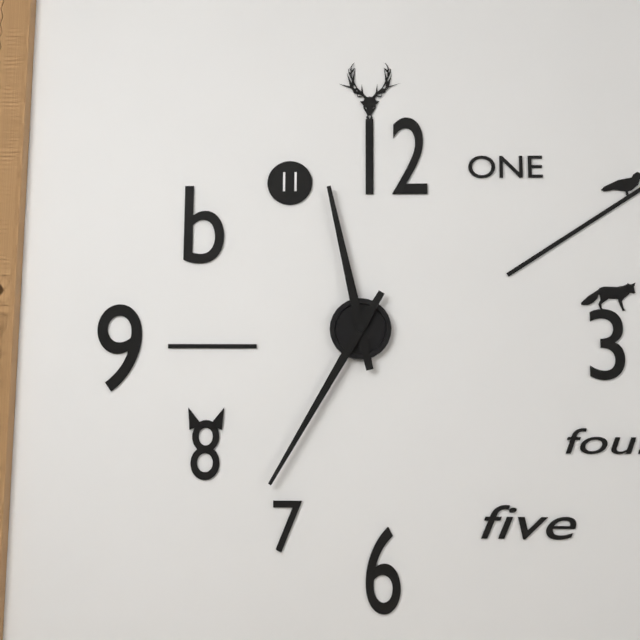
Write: 11h35
